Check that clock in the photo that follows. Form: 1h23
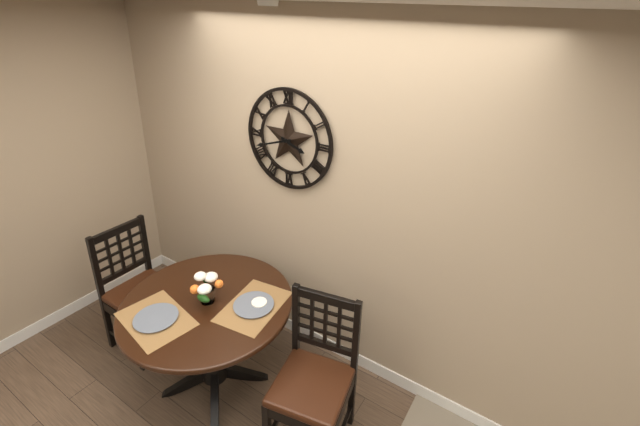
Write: 3h42
